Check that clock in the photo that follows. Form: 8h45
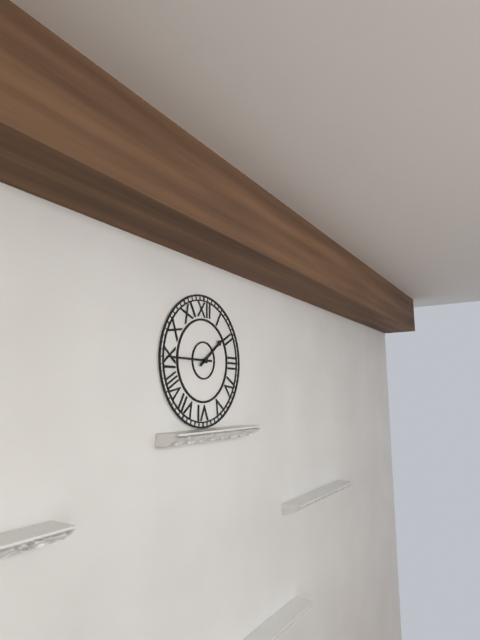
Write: 1h45
